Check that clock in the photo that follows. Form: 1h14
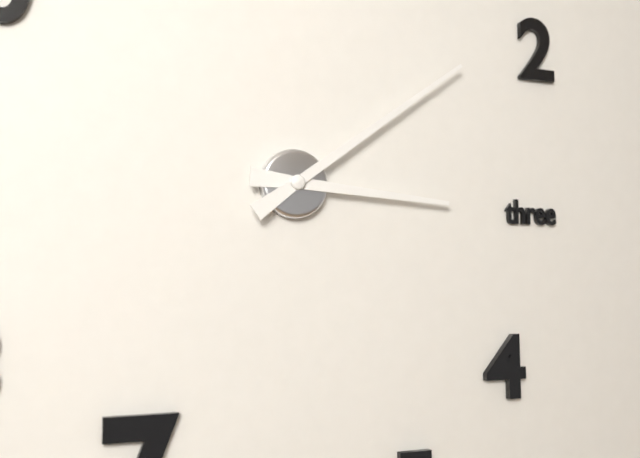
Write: 3h09
